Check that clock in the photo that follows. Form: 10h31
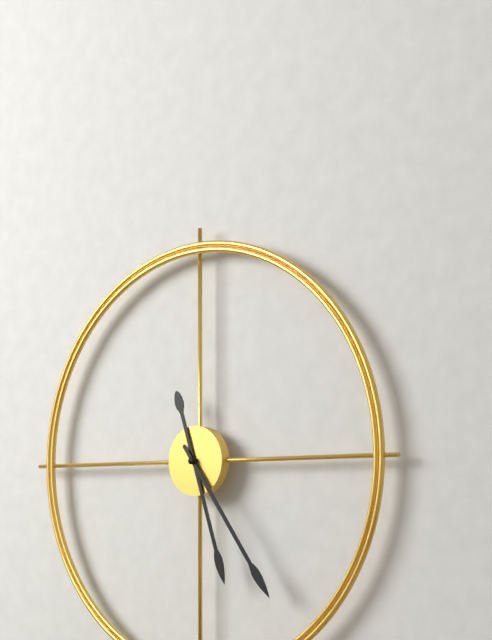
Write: 5h24
